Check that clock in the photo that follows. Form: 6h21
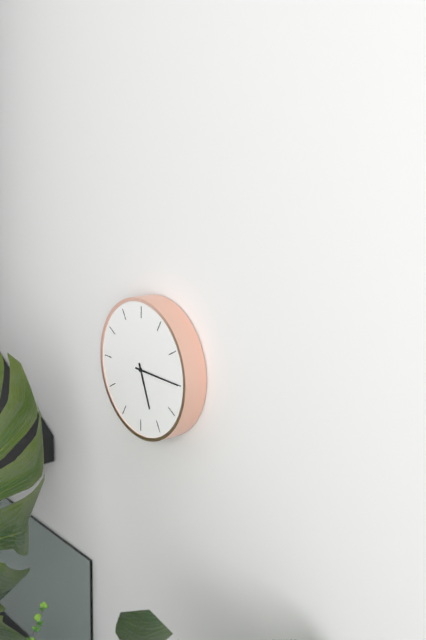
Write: 5h15
